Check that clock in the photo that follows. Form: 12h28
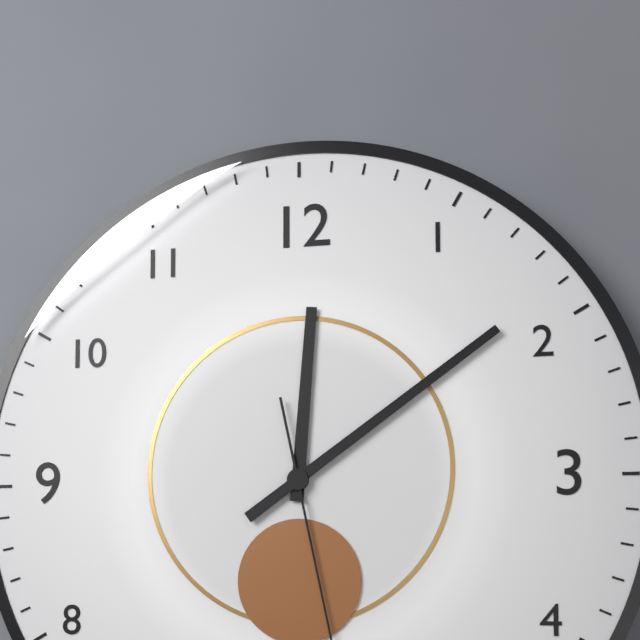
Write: 12h09
